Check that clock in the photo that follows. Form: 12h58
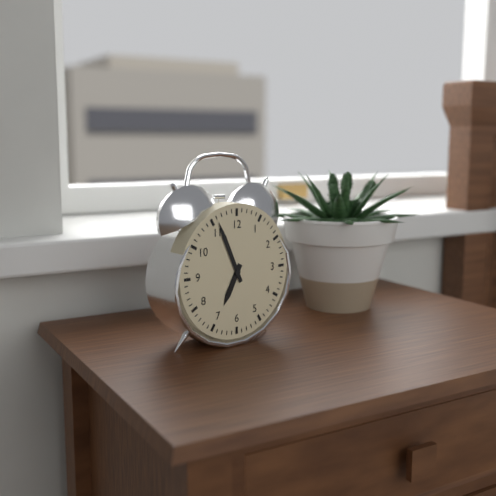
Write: 6h56
